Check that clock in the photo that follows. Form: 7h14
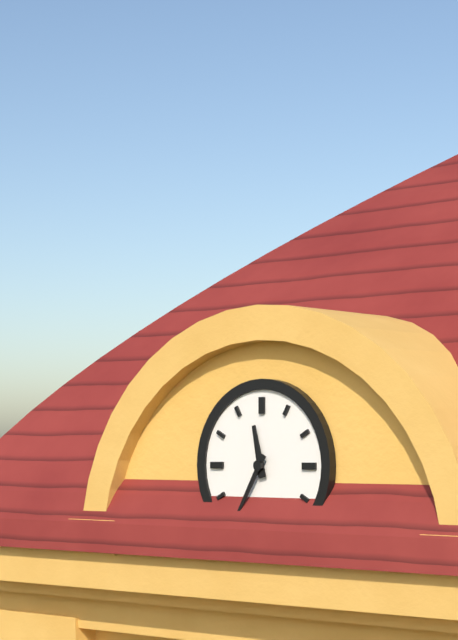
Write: 11h35
